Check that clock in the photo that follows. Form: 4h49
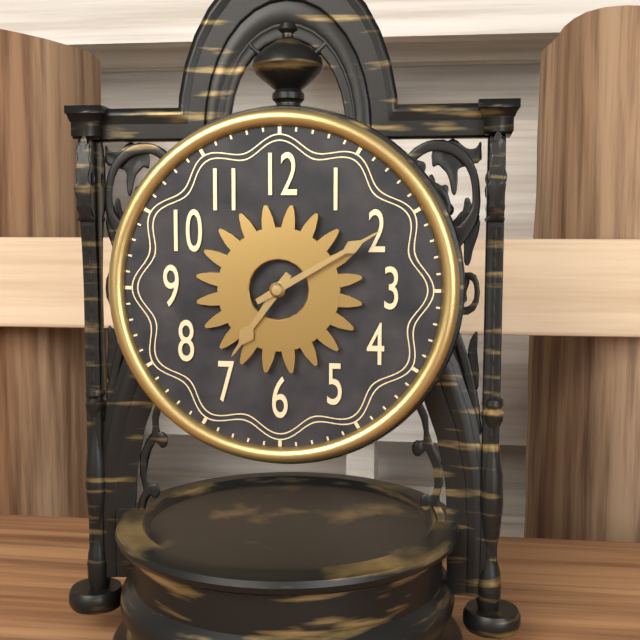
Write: 7h10
